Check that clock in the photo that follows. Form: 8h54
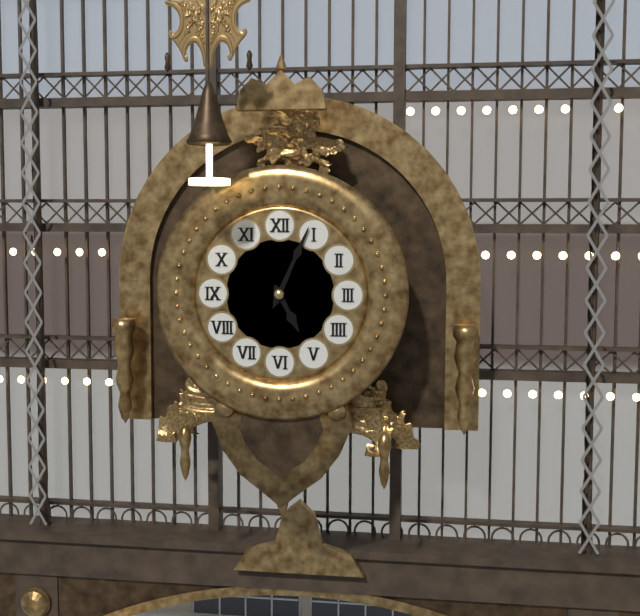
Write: 5h04
